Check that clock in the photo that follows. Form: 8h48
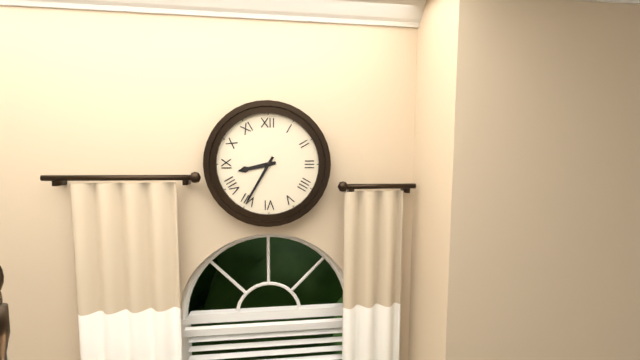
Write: 8h35
